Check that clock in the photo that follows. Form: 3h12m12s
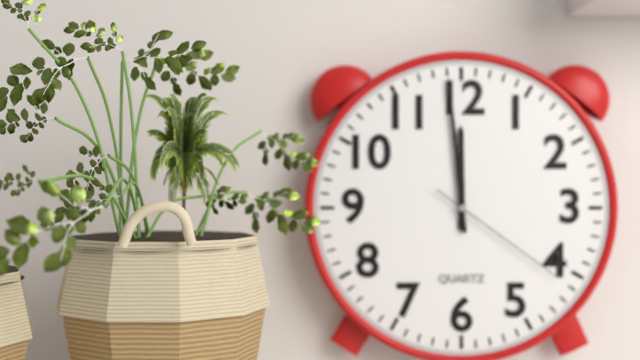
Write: 11h59m21s
